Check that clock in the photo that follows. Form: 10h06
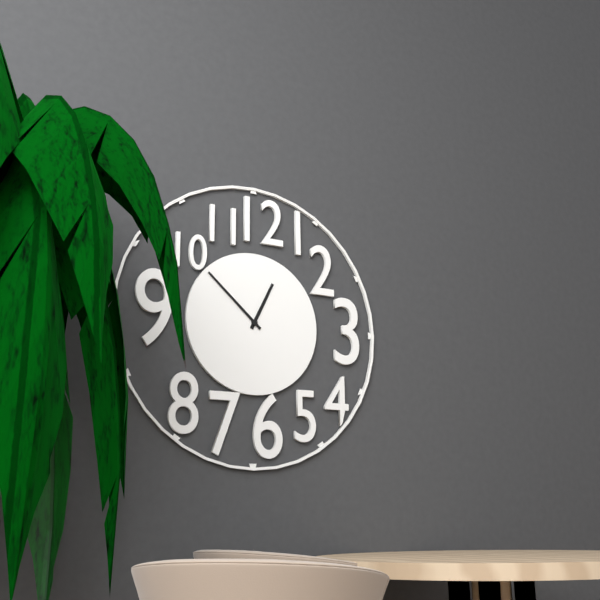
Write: 12h52
